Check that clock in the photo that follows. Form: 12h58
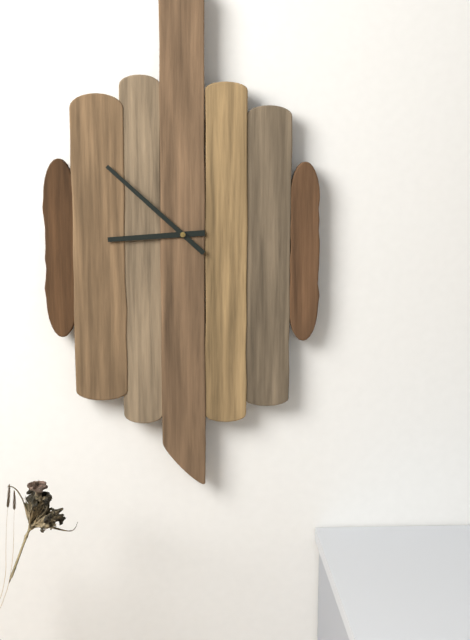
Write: 8h52
